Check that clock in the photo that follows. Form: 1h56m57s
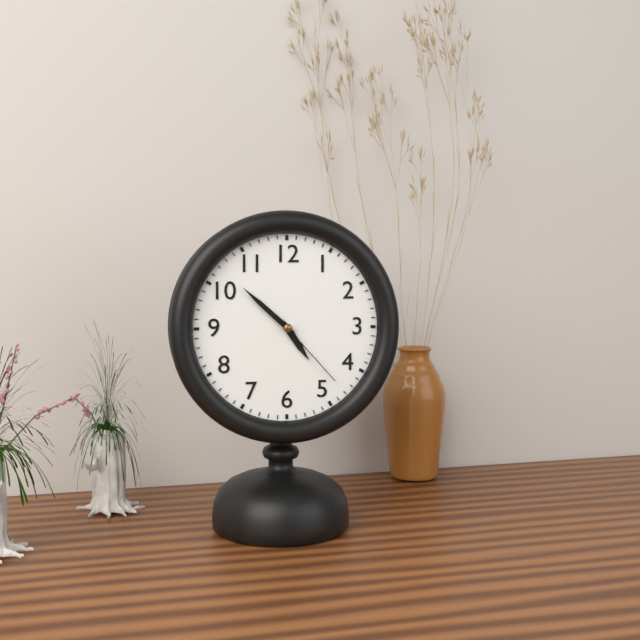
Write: 4h52m23s
